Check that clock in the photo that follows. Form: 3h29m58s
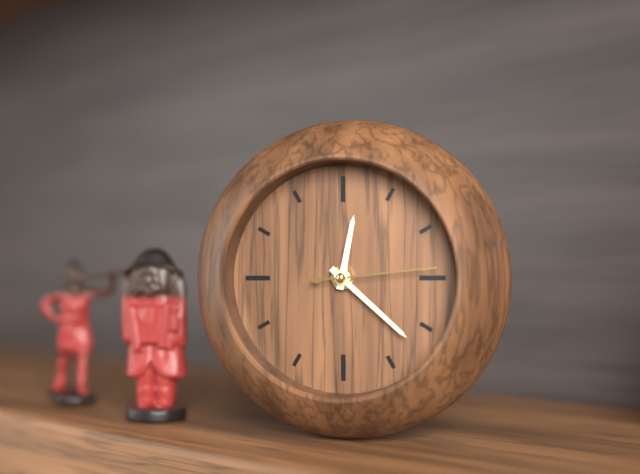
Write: 12h22m14s
